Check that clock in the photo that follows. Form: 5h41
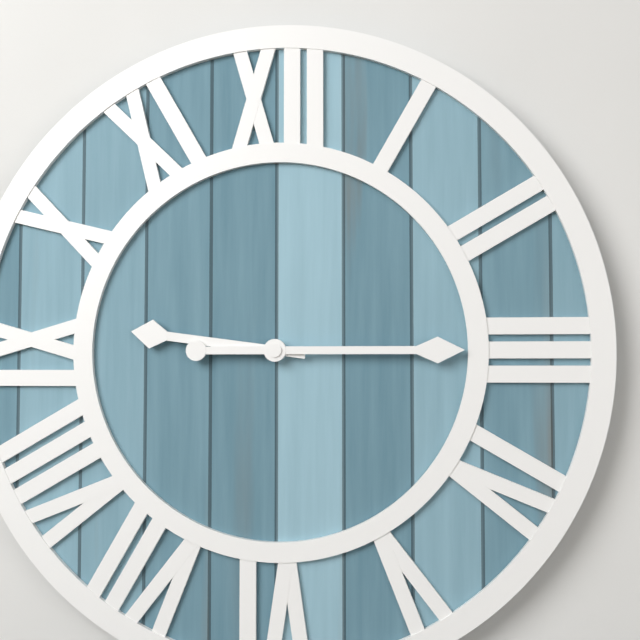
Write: 9h15
